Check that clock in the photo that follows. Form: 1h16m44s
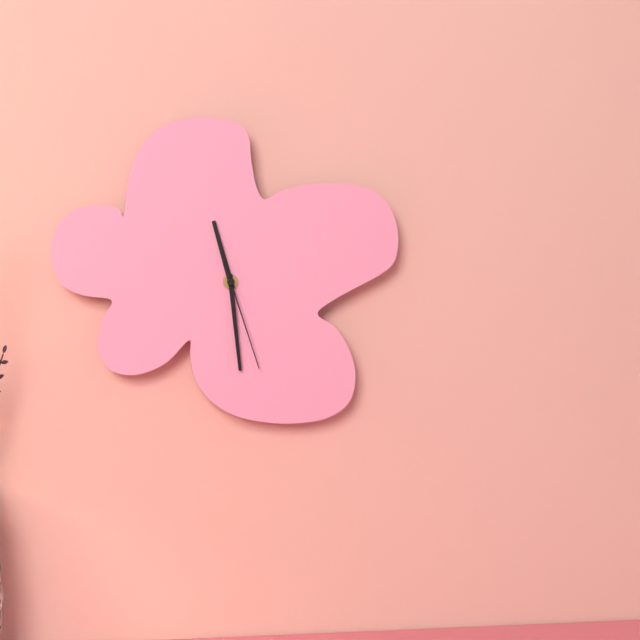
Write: 11h29m27s
